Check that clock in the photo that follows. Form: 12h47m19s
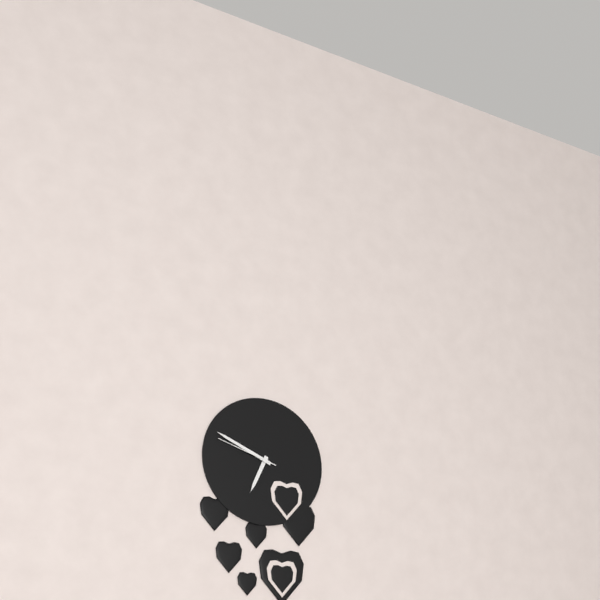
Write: 6h49m48s
